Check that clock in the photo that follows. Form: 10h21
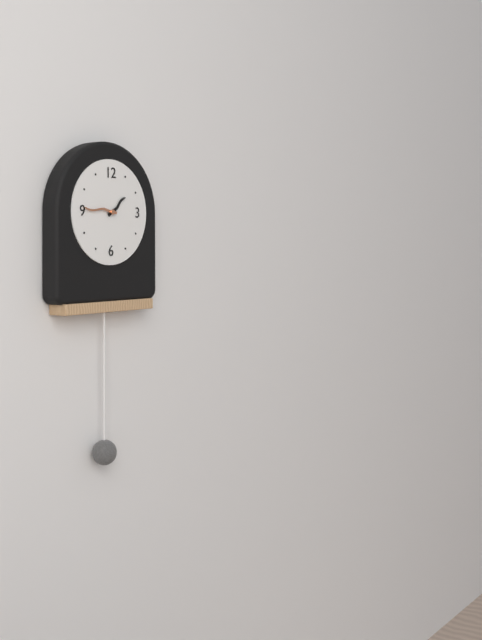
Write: 1h46
